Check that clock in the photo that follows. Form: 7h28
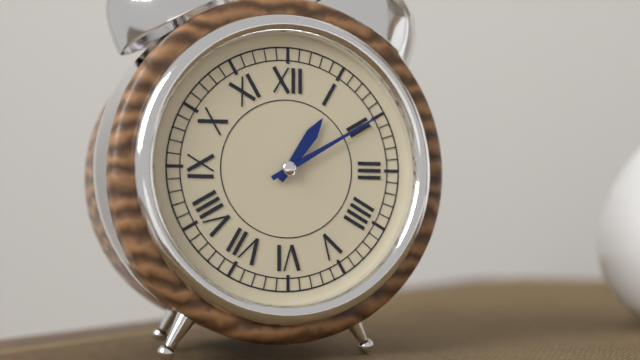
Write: 1h10
